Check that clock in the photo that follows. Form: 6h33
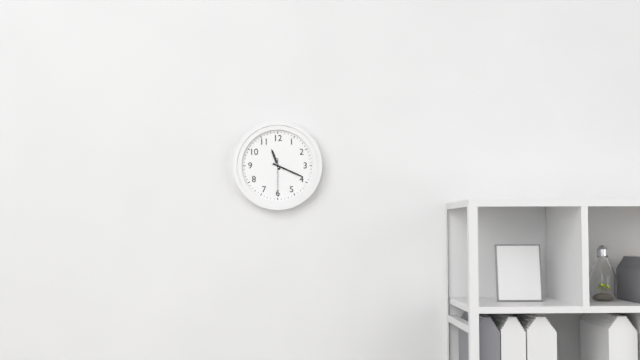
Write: 11h19
